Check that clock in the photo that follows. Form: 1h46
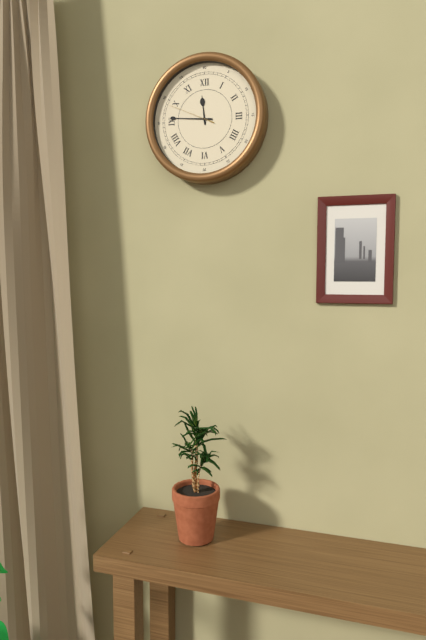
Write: 11h46
